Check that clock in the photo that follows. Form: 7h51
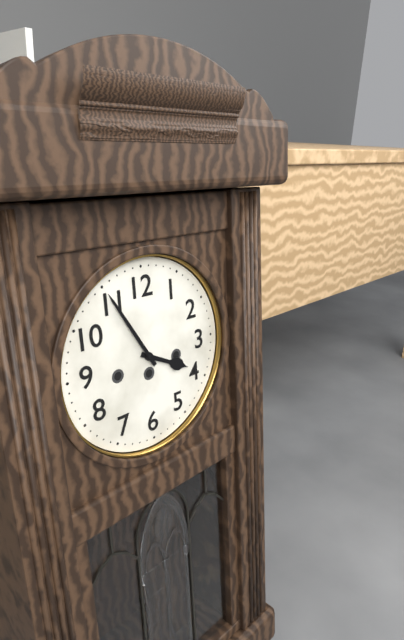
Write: 3h55
